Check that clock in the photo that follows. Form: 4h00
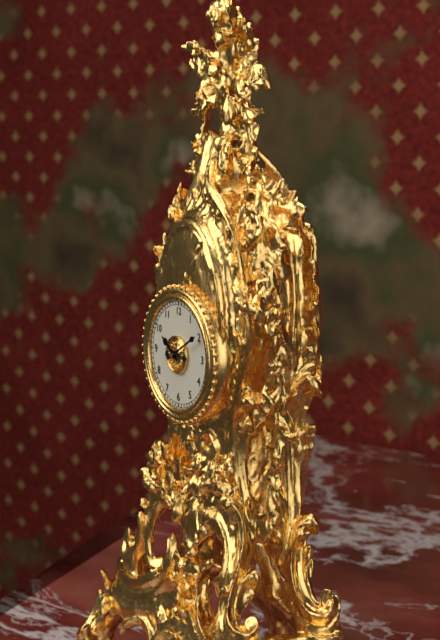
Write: 10h10
